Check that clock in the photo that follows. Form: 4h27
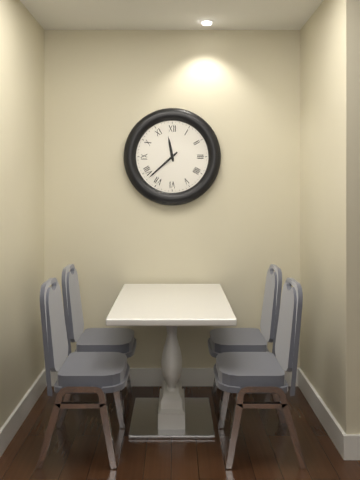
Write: 11h38
